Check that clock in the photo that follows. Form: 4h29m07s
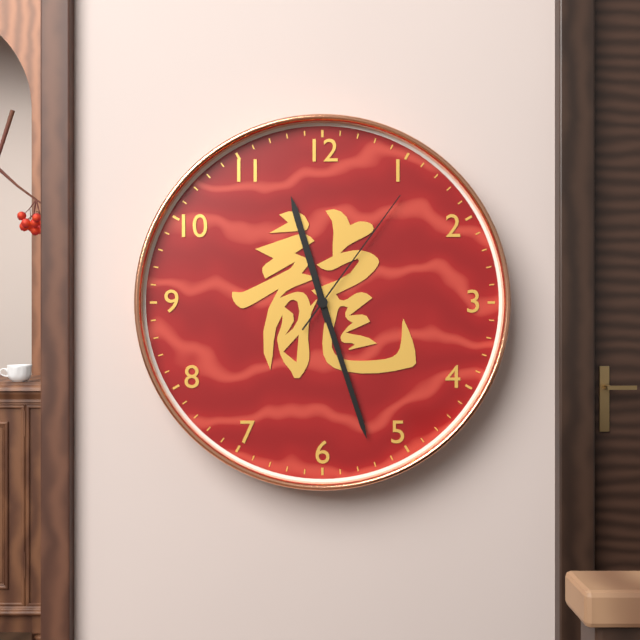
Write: 11h27m06s
